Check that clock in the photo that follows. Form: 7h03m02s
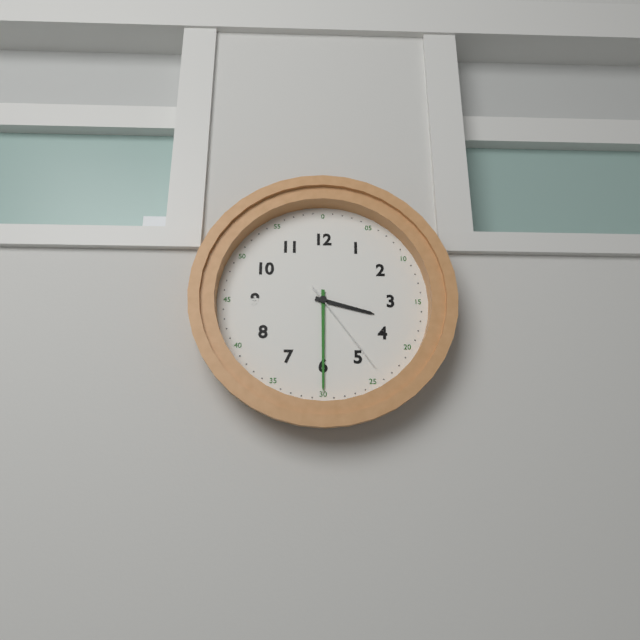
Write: 3h30m24s
